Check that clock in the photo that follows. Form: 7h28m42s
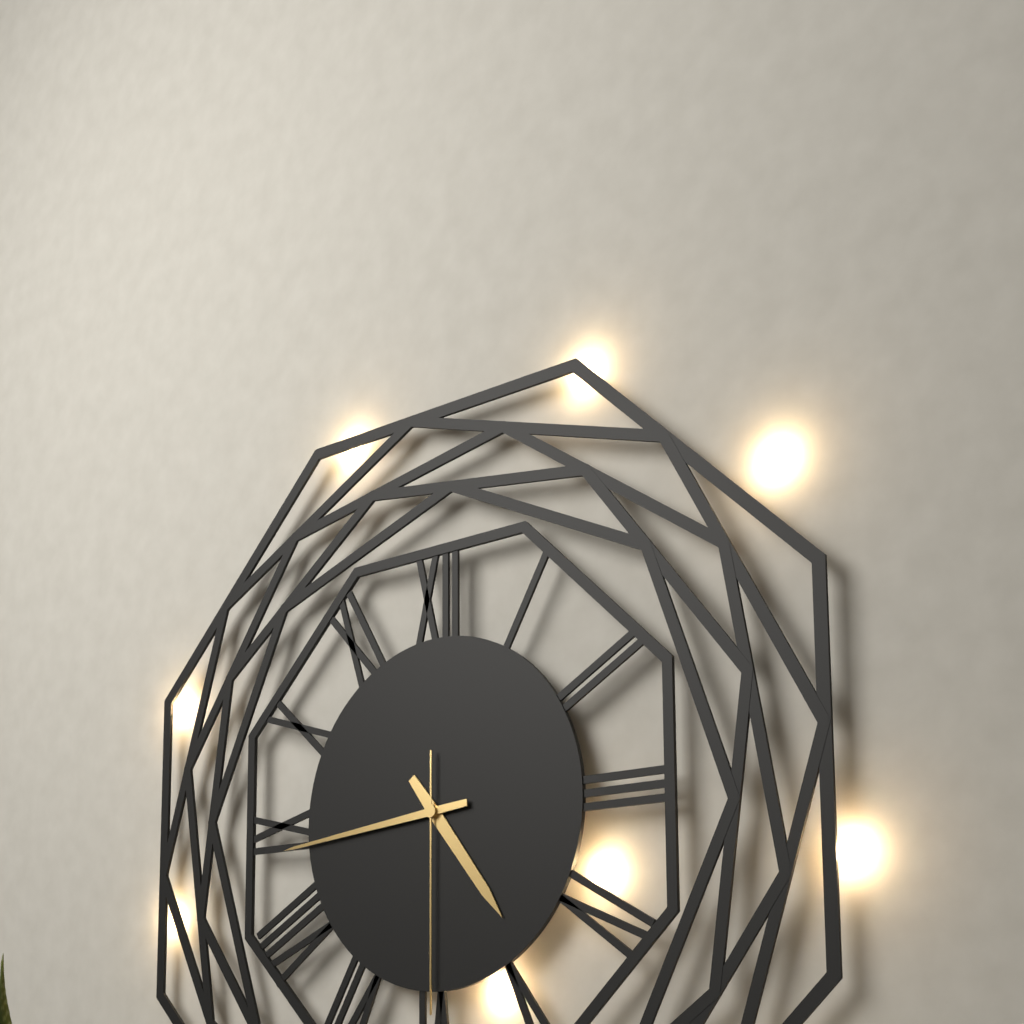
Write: 4h44m30s
